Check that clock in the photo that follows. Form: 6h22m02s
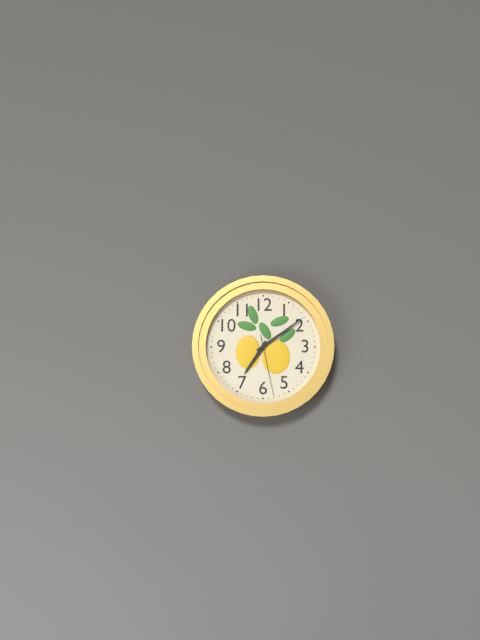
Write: 7h09m28s
